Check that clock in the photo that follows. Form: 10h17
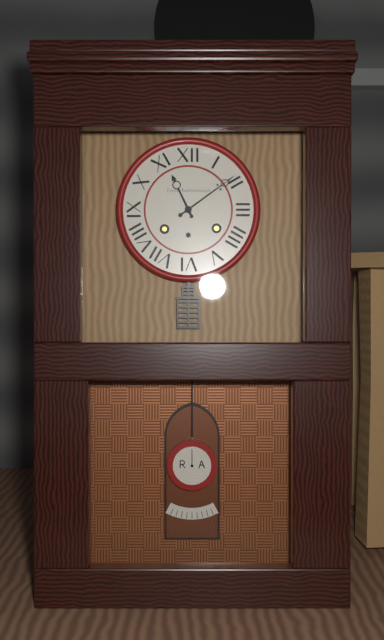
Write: 11h09
